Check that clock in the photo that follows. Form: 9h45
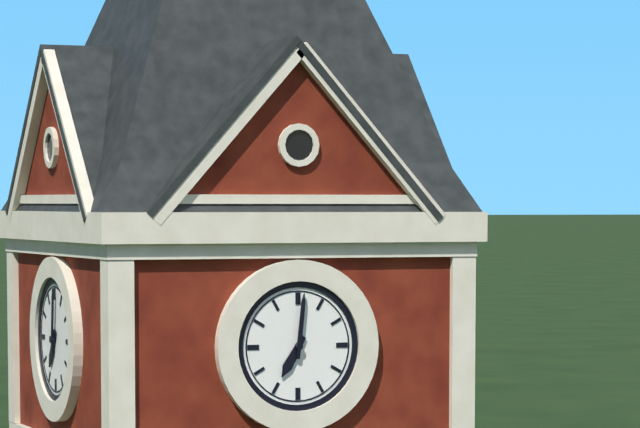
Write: 7h01
